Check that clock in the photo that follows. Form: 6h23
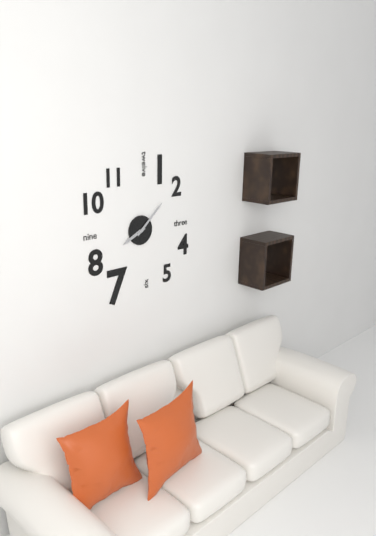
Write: 8h08
